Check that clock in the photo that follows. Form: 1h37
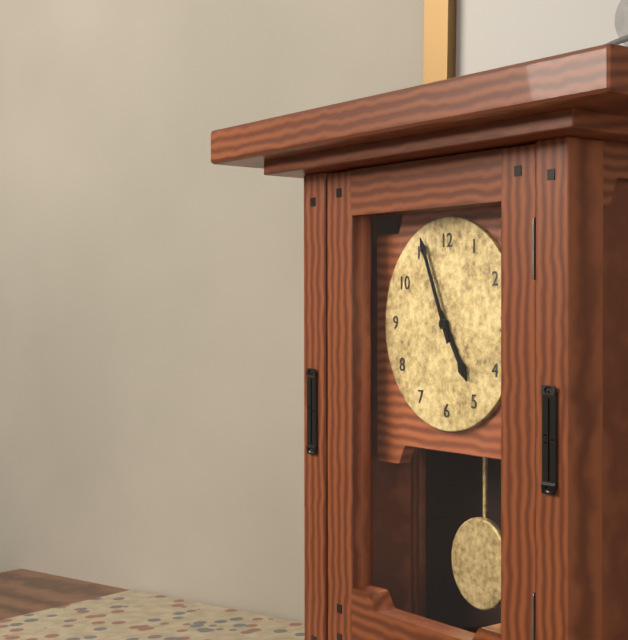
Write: 4h56
